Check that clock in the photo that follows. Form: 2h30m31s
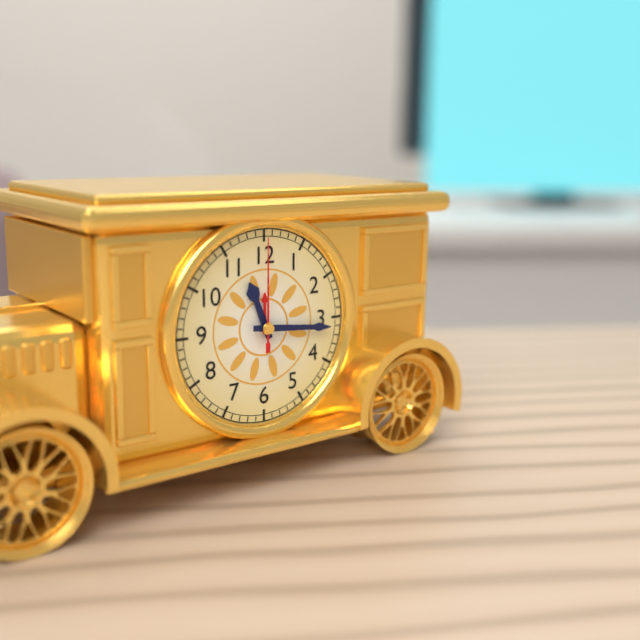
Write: 11h16m00s
